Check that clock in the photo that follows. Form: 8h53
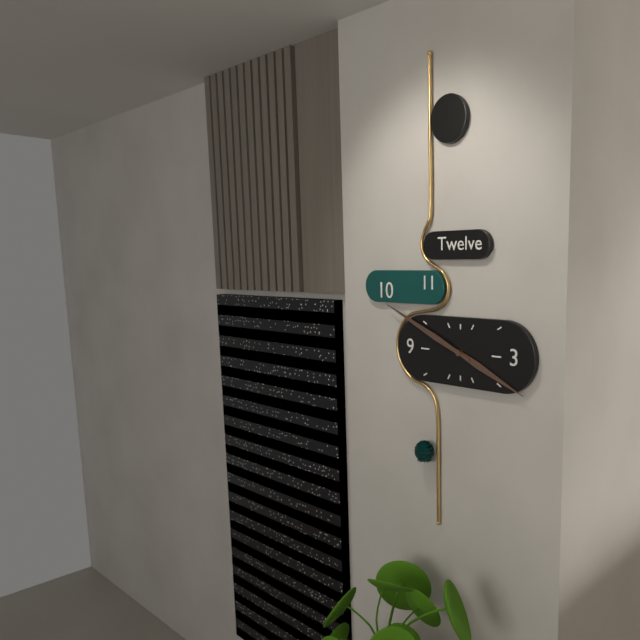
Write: 3h49
